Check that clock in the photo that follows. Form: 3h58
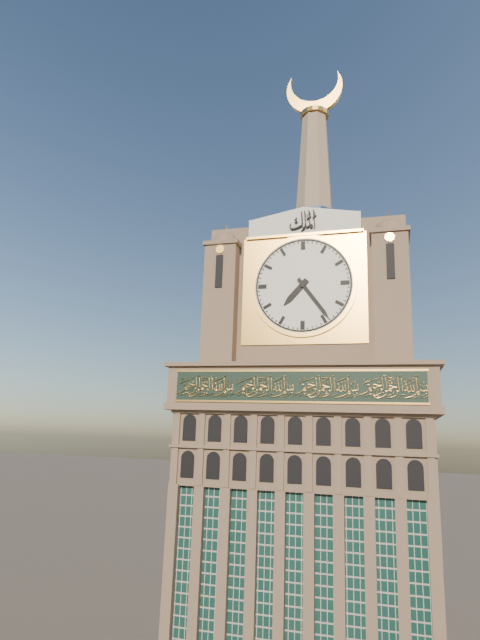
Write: 7h24
